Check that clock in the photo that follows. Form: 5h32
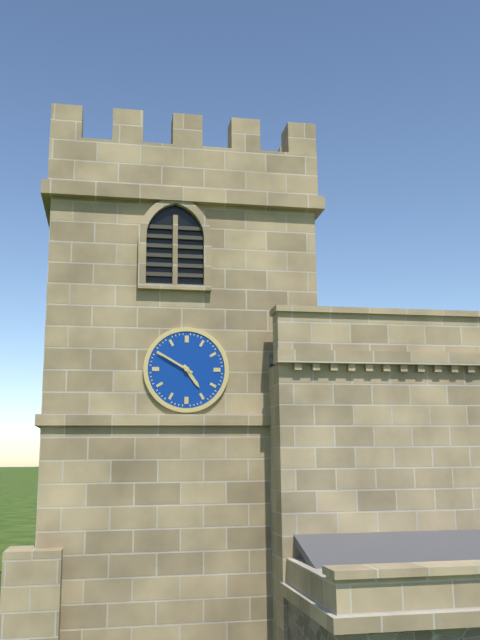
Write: 4h50
